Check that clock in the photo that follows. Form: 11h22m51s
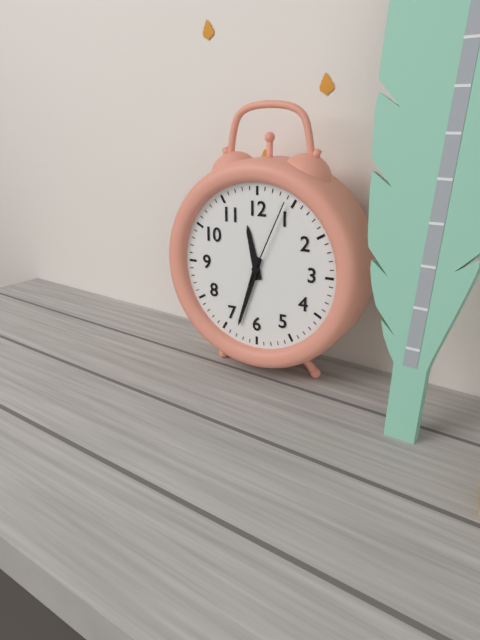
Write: 11h33m04s
